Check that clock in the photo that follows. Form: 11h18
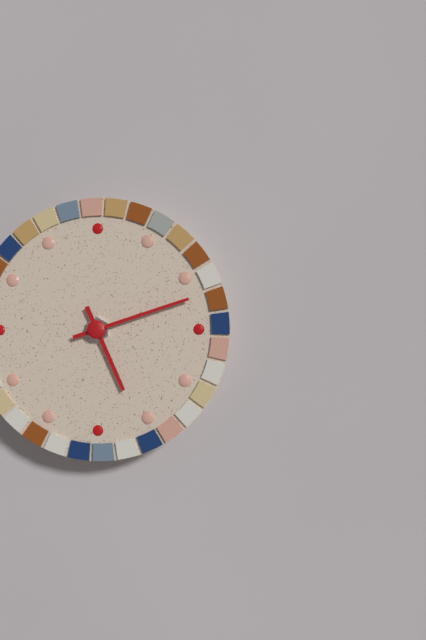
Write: 5h12
